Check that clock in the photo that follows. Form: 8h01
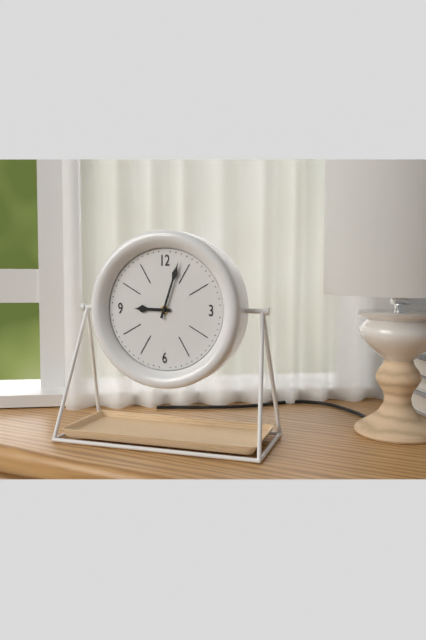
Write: 9h03
